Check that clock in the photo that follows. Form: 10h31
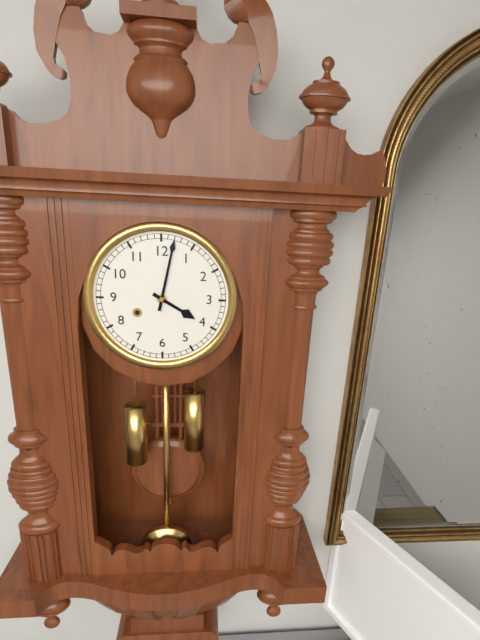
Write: 4h02
